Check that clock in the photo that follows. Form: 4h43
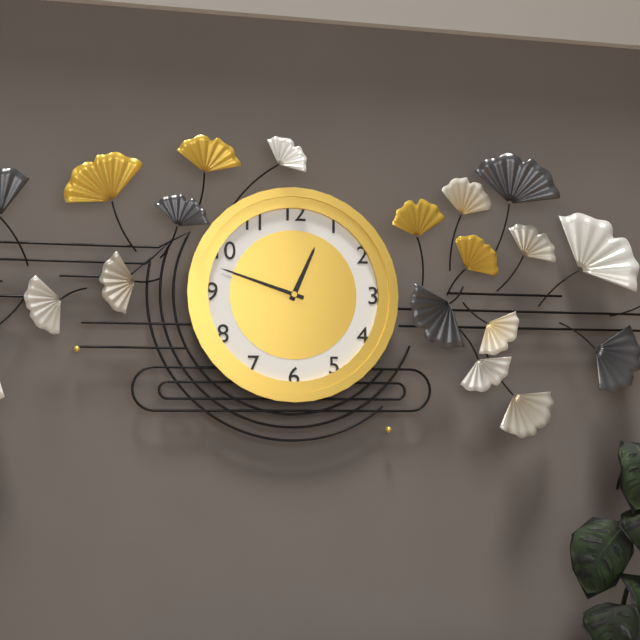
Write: 12h48
